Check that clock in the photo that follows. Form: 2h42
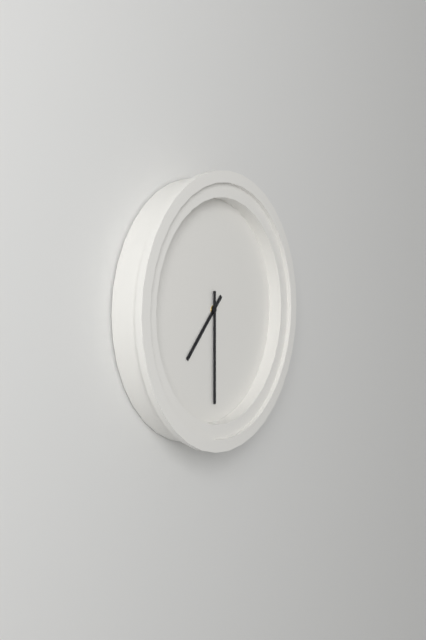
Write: 7h30
